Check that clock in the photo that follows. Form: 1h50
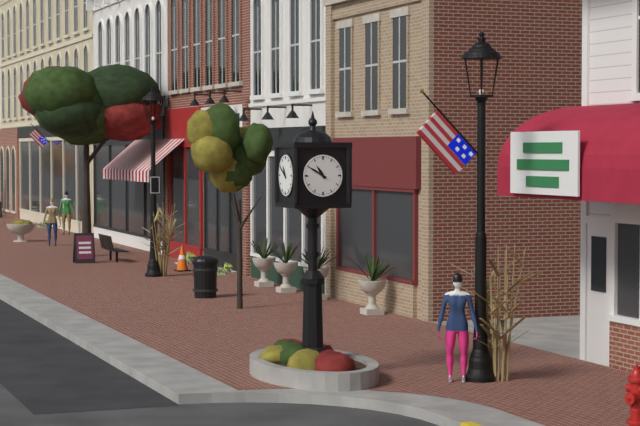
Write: 10h50
